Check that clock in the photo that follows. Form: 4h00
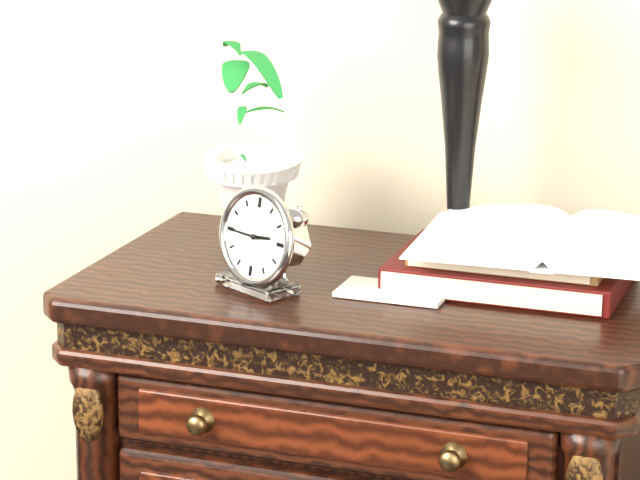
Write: 2h45
